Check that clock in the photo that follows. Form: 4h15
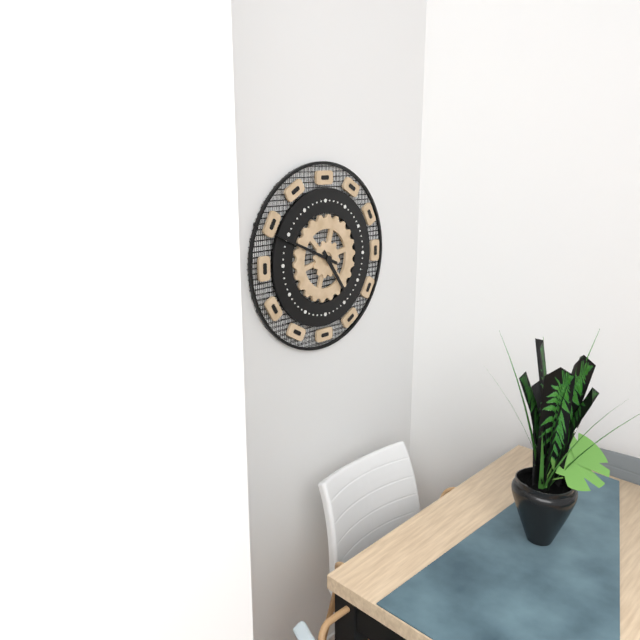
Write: 4h49
